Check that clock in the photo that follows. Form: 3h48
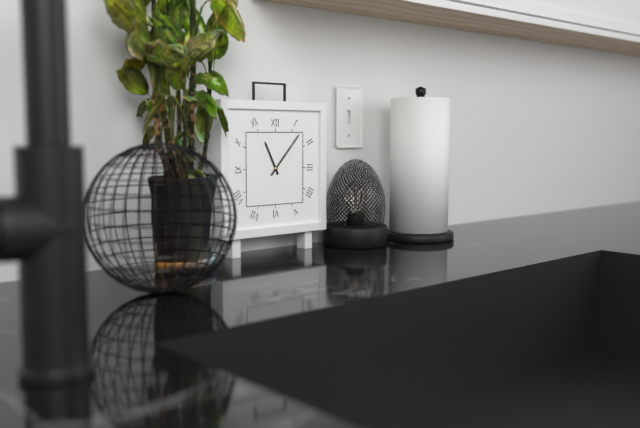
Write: 11h07
